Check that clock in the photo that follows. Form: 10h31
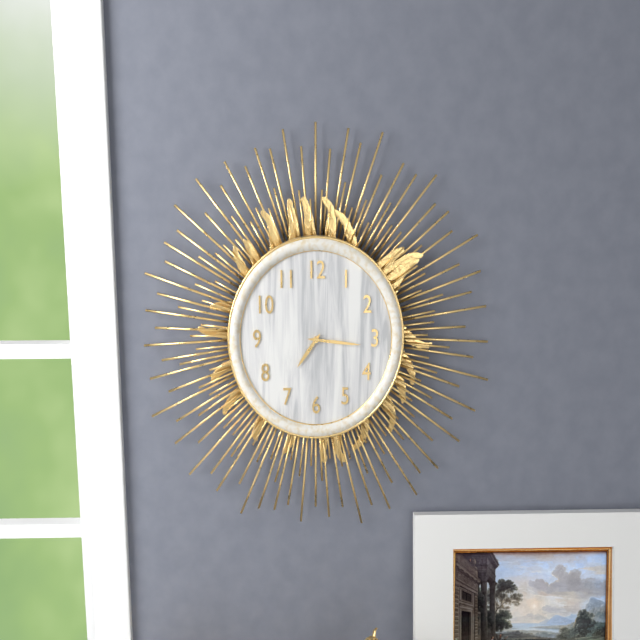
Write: 7h16
